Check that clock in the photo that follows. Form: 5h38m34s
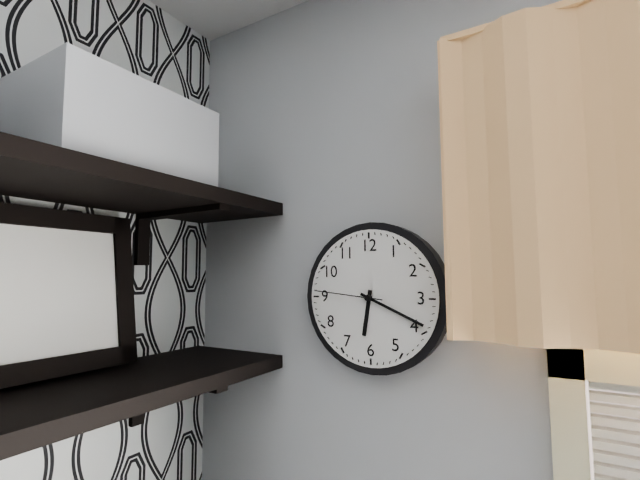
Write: 6h19m46s
